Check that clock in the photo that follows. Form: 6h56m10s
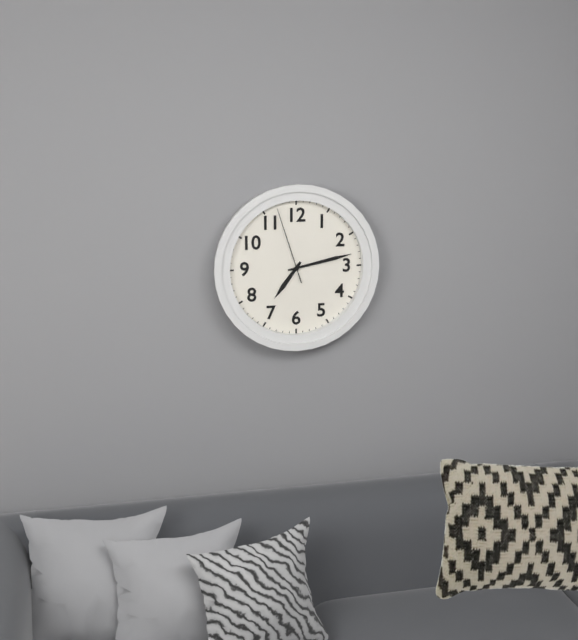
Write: 7h13m57s
